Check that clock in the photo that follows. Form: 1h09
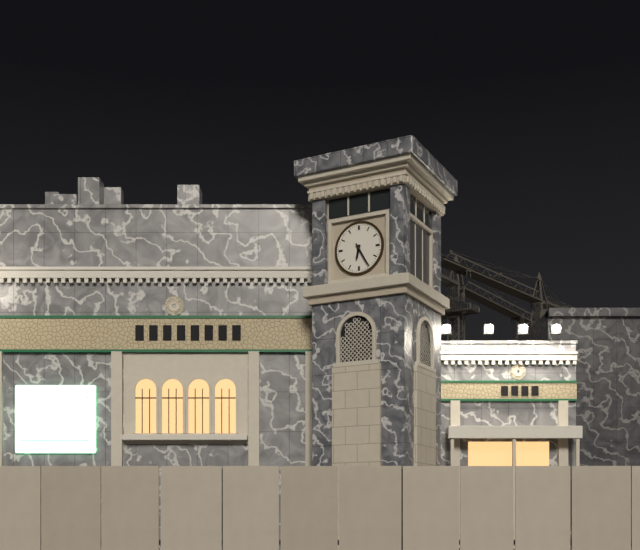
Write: 6h25
